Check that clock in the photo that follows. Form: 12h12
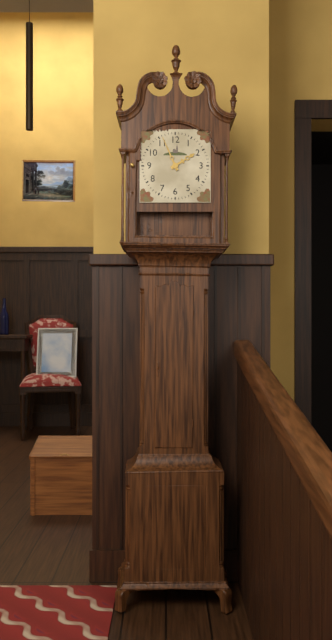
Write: 1h56
